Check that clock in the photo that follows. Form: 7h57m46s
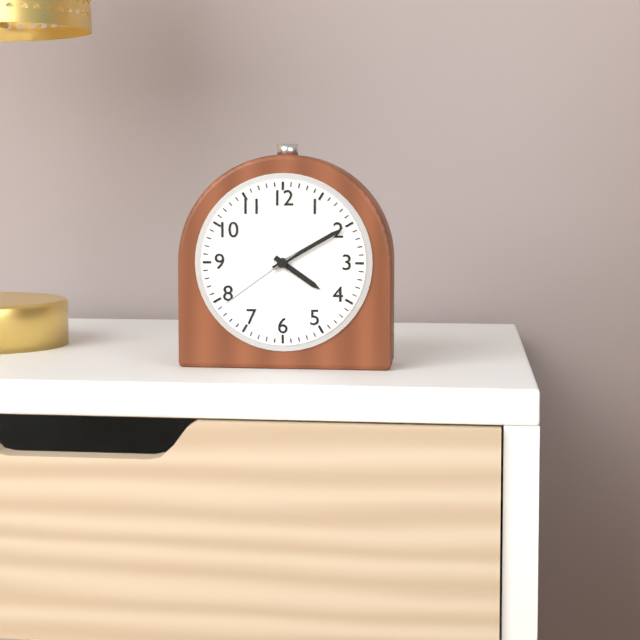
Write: 4h10m39s
